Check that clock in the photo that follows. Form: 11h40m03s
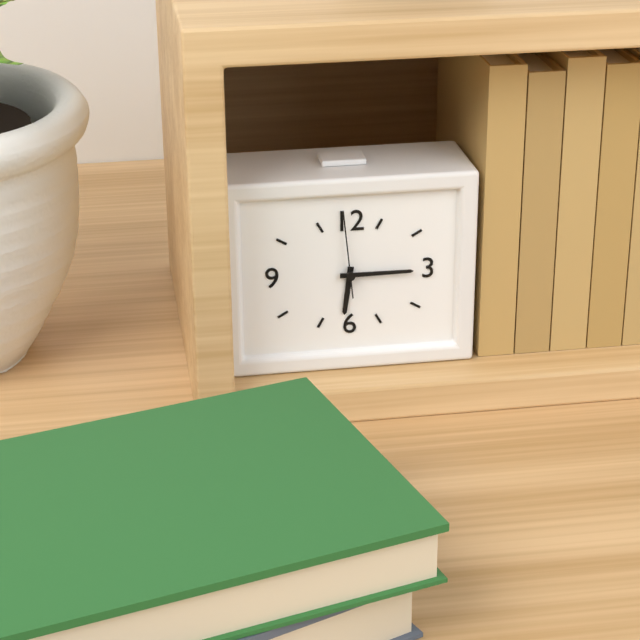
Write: 6h15m59s
